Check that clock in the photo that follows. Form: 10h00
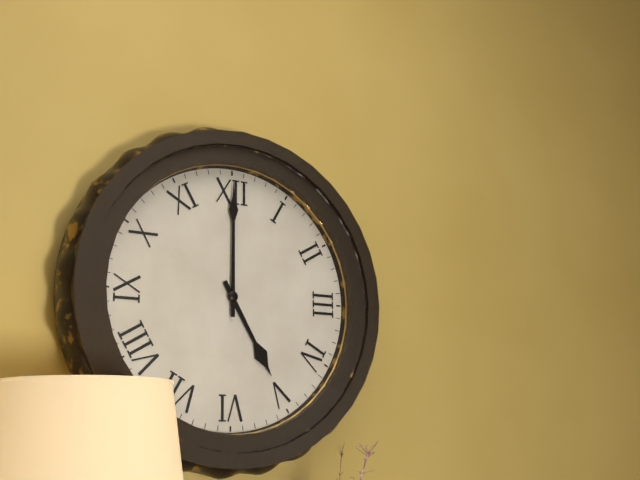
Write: 5h00
